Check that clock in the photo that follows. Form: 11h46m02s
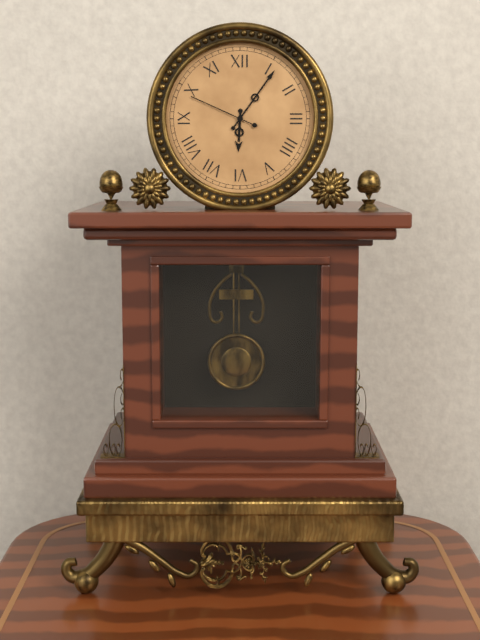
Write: 6h06m49s
